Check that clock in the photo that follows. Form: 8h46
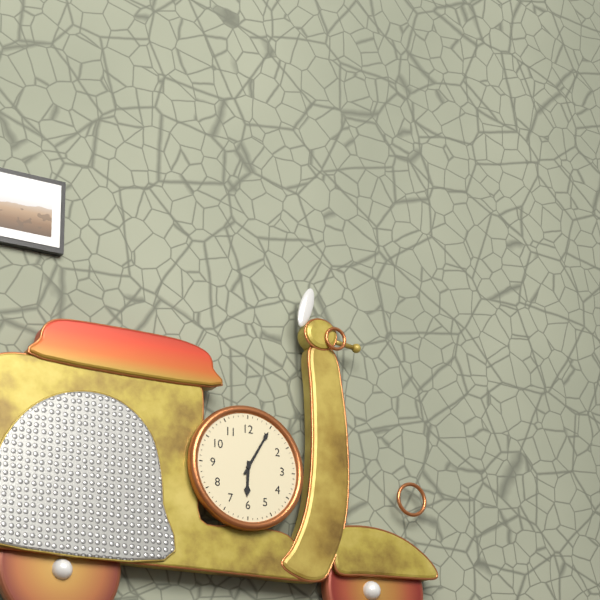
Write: 6h05
